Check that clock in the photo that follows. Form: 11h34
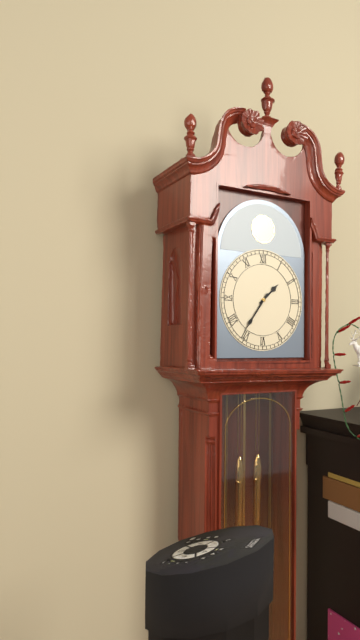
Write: 1h36
